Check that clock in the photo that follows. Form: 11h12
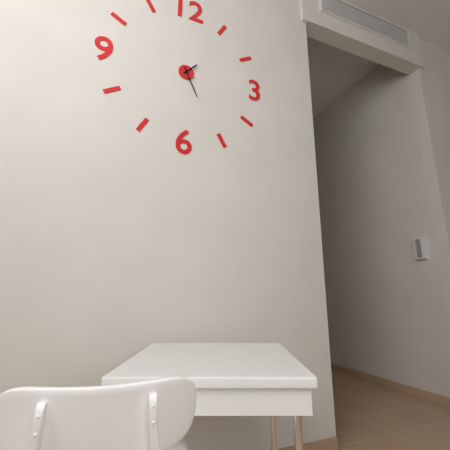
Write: 1h26
